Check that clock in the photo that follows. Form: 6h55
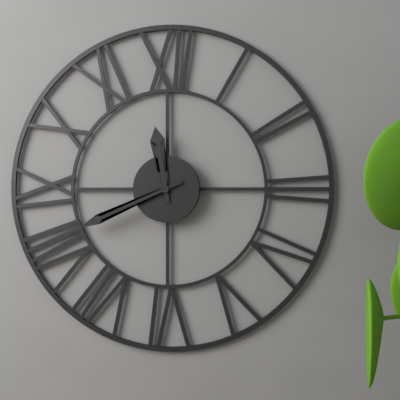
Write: 11h41
